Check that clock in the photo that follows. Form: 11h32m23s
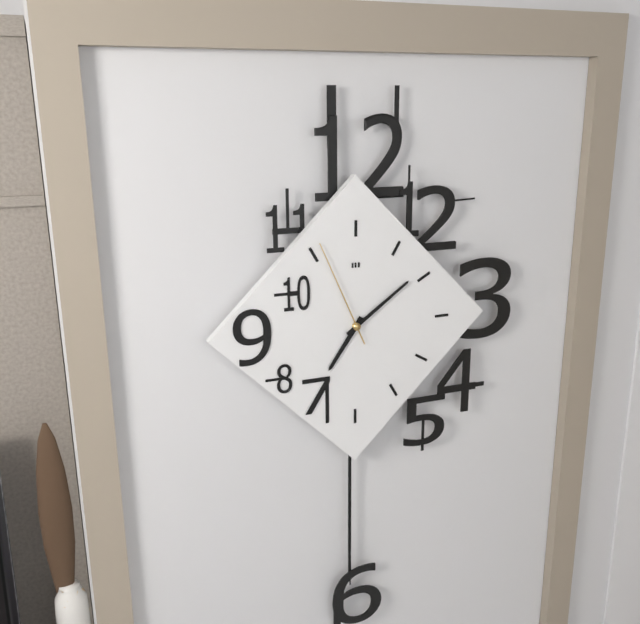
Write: 7h09m56s
